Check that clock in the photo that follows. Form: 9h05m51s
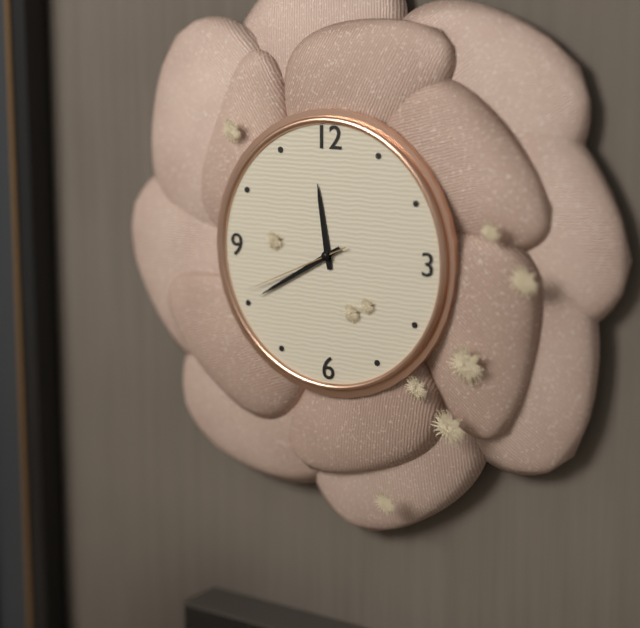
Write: 11h40m41s
